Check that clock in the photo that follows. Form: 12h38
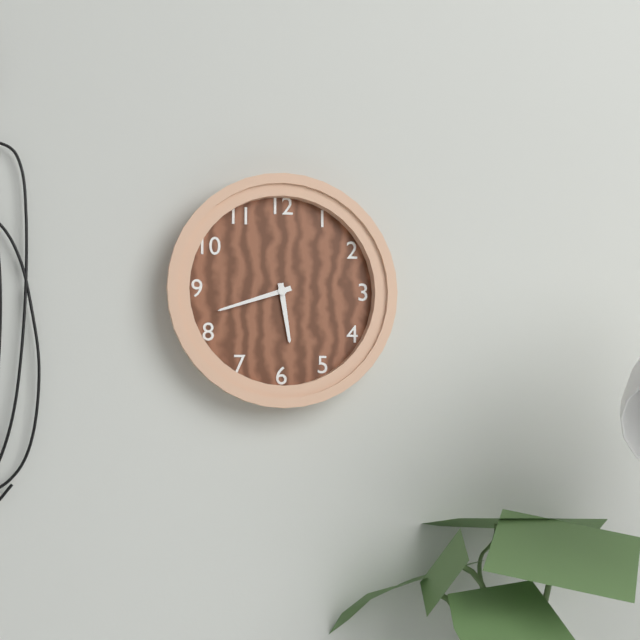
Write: 5h42
